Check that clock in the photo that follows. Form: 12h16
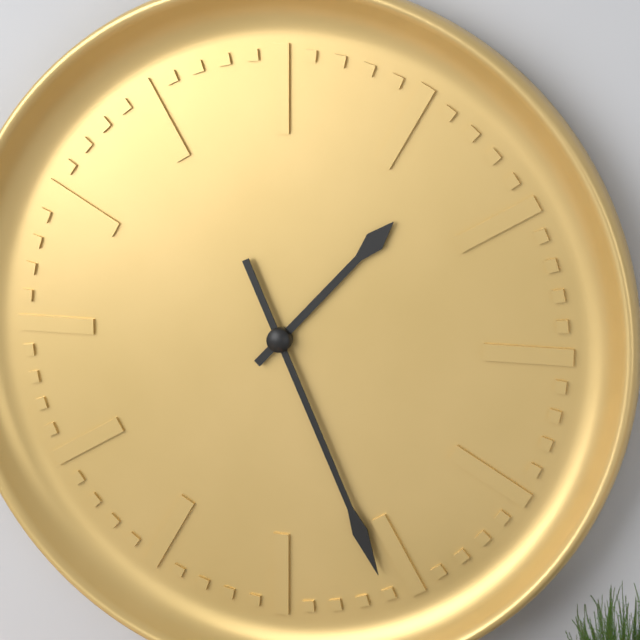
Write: 1h26
